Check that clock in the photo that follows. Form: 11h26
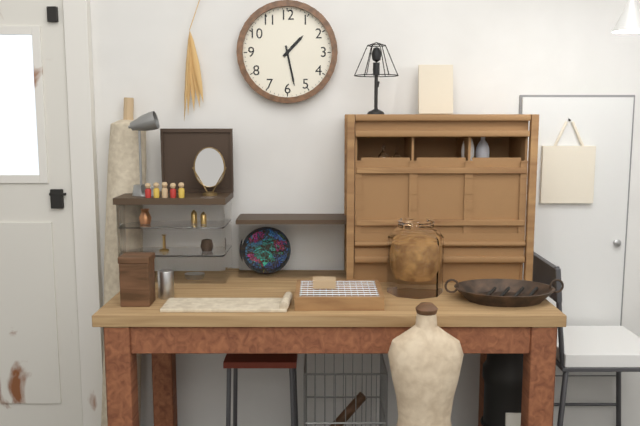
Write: 1h28
